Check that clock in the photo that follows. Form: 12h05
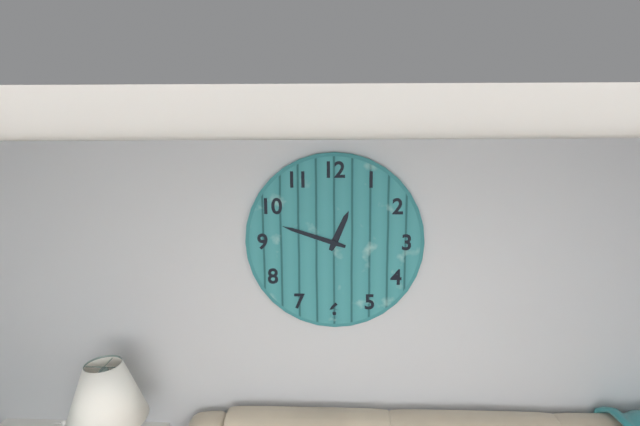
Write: 12h48
